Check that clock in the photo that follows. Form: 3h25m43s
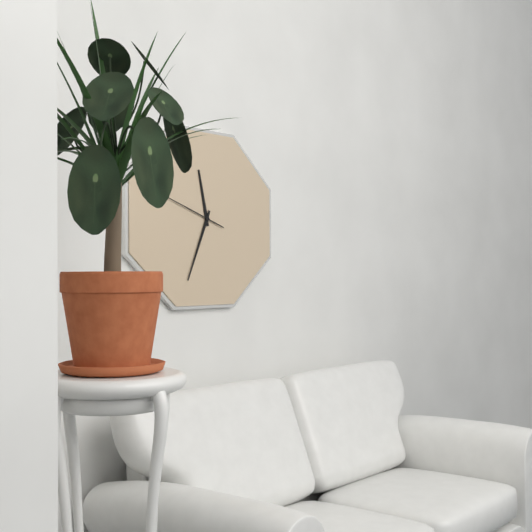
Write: 11h34m48s
